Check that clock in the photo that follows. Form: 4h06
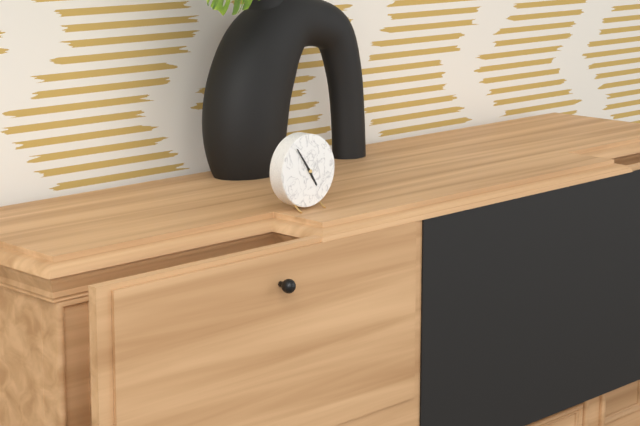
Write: 4h54
